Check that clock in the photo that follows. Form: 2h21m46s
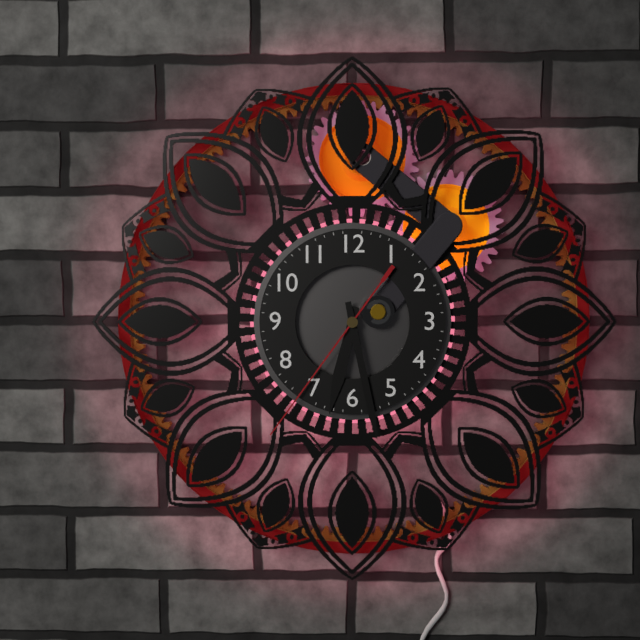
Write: 6h28m36s
